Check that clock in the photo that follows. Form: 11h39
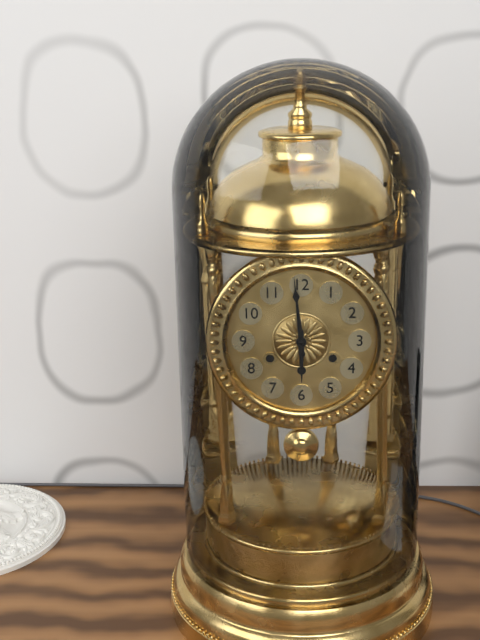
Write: 5h59
